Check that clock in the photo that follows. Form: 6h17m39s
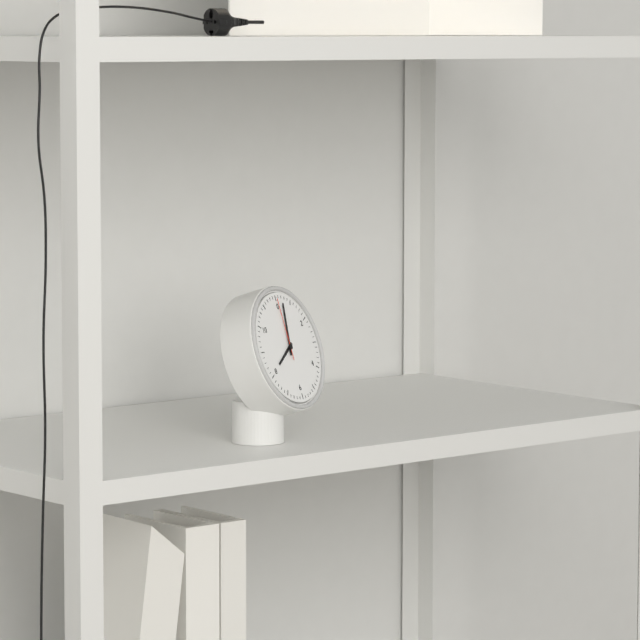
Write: 8h02m00s
